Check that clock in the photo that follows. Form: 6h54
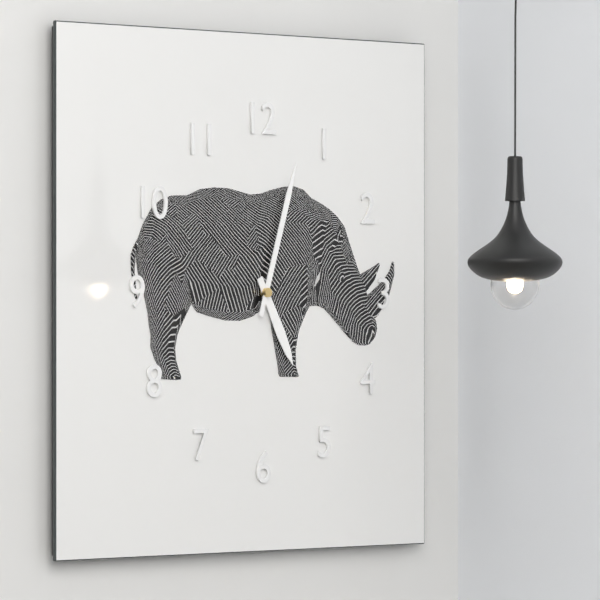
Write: 5h03
